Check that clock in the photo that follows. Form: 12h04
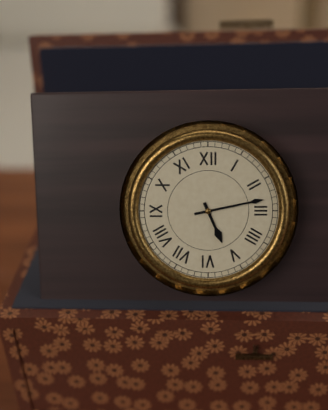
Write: 5h13
